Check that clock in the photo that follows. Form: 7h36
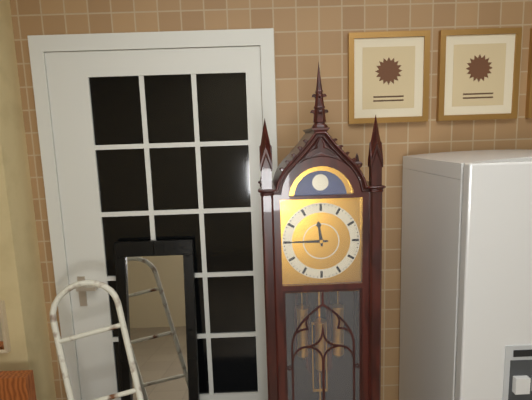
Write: 11h45
